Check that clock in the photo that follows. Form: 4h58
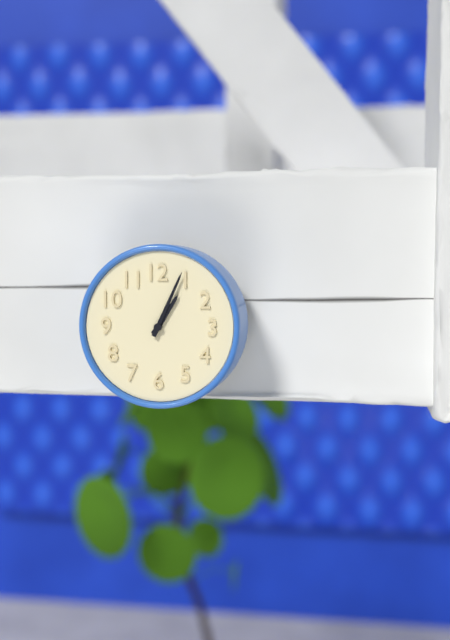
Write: 1h04
